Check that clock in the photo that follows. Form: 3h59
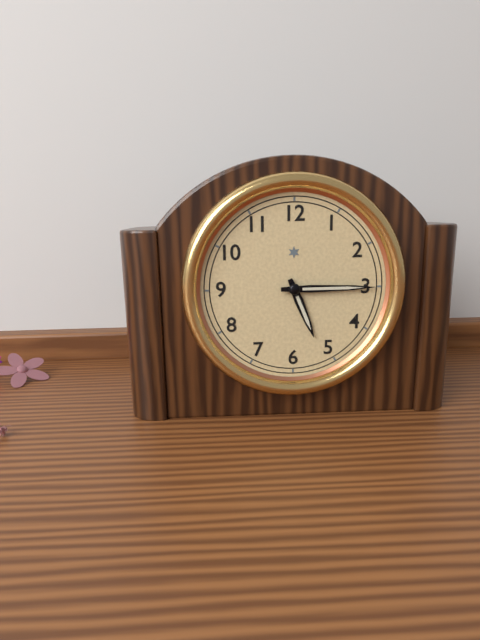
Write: 5h15
